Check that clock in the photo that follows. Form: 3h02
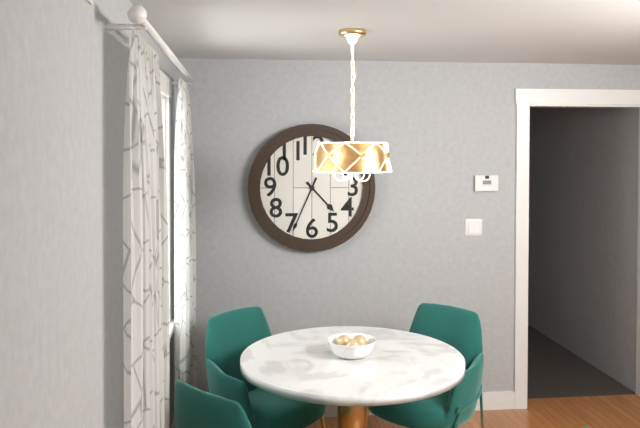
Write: 4h34
